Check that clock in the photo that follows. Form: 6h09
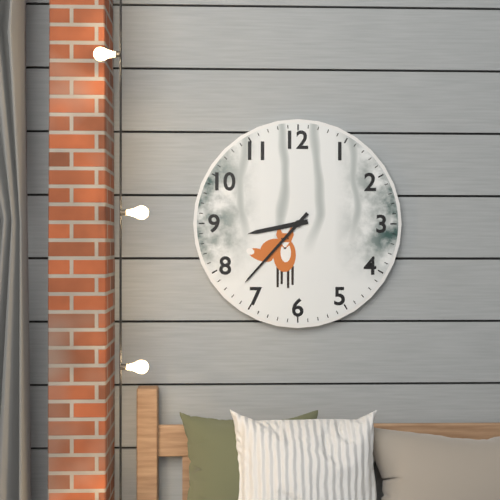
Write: 8h37
